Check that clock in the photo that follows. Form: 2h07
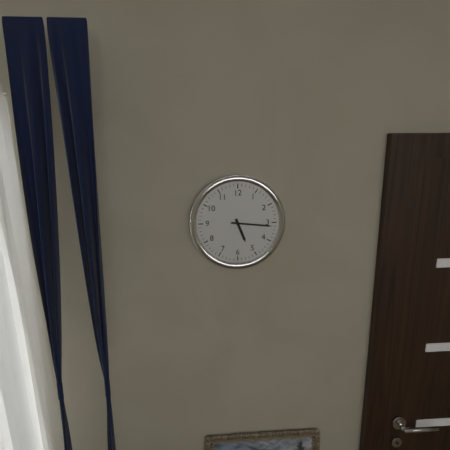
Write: 5h16
